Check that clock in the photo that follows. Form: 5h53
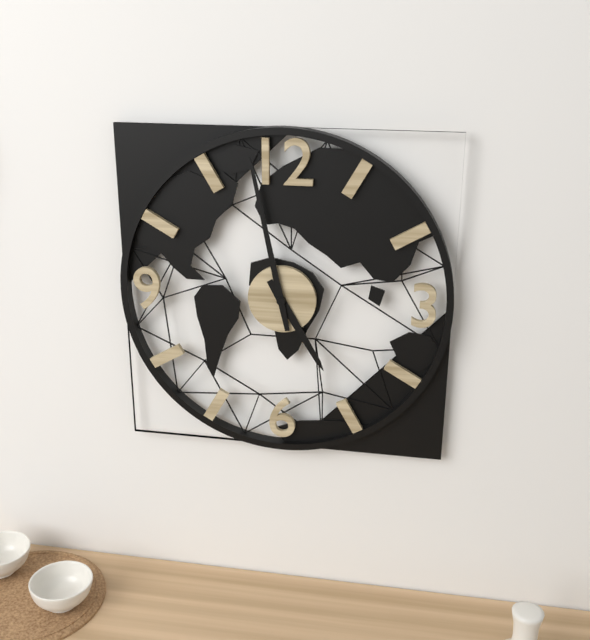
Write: 4h58
